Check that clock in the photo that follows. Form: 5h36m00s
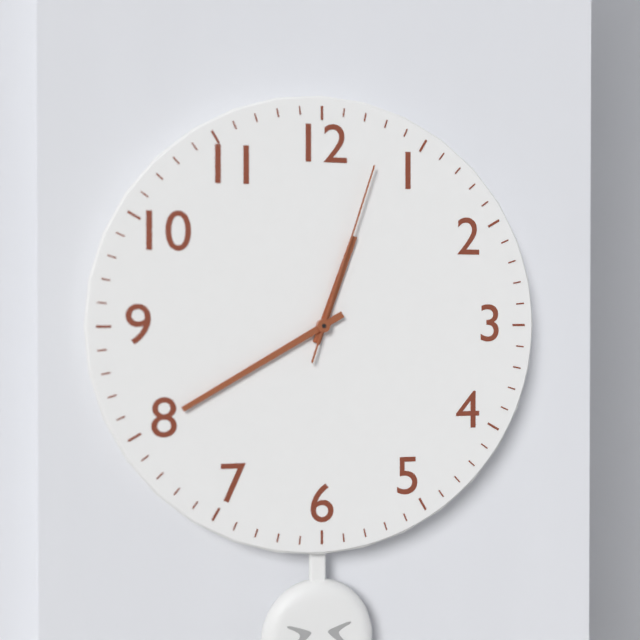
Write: 12h40m03s
